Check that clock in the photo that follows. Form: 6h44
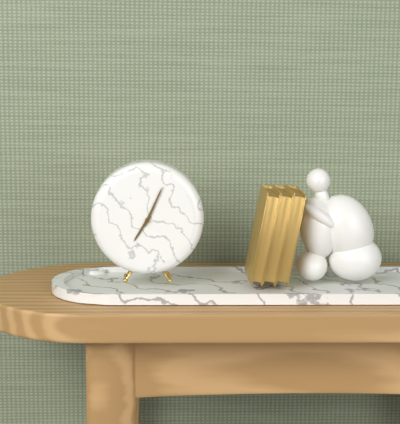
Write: 7h04
